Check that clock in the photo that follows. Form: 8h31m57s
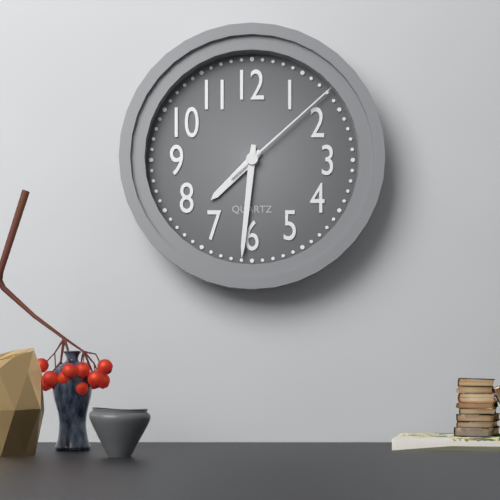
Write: 7h31m08s
